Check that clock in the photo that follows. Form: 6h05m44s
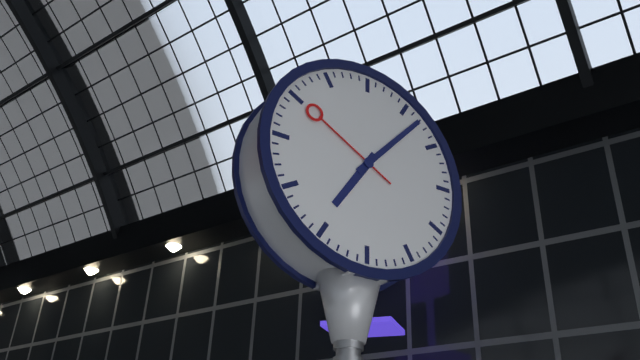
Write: 7h07m50s
